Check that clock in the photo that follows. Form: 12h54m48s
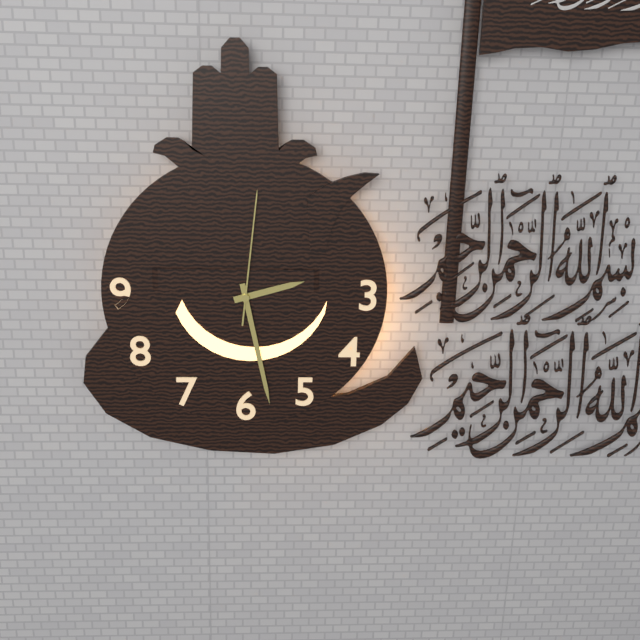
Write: 2h28m01s
